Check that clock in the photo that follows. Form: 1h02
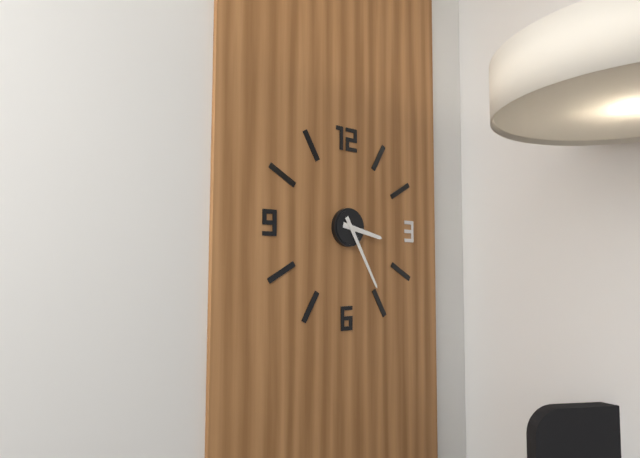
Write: 3h25
